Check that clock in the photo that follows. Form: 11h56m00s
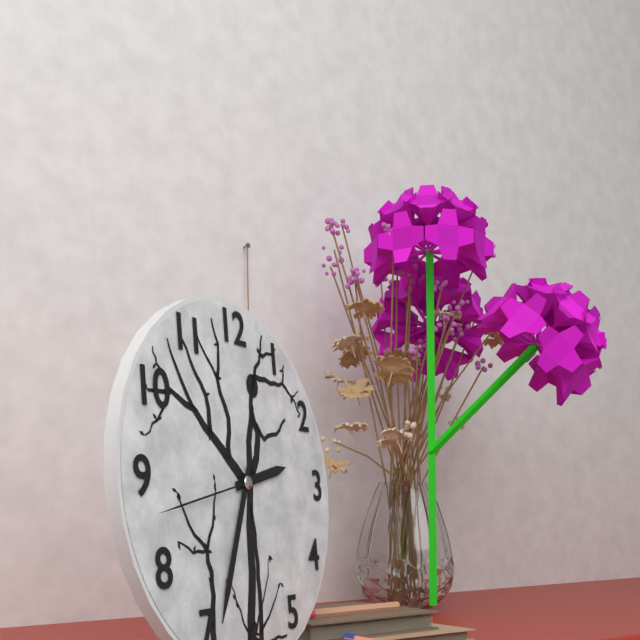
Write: 2h34m43s
